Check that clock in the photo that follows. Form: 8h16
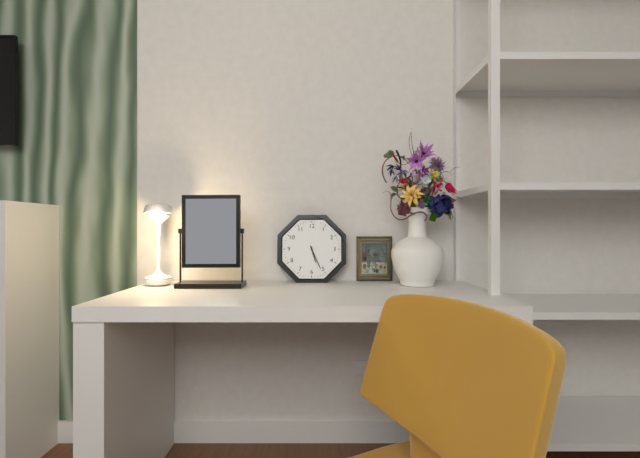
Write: 5h26
